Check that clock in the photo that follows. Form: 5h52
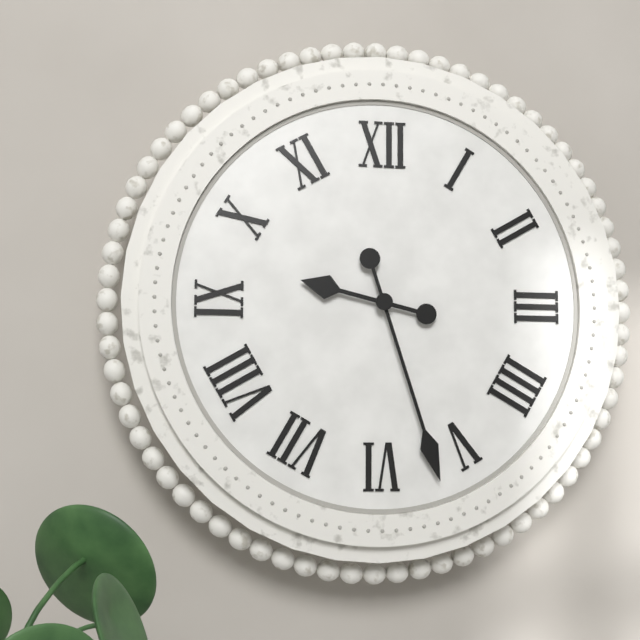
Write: 9h27
